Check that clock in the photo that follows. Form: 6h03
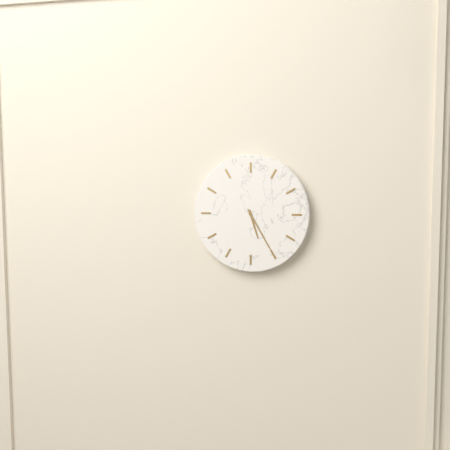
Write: 5h25
